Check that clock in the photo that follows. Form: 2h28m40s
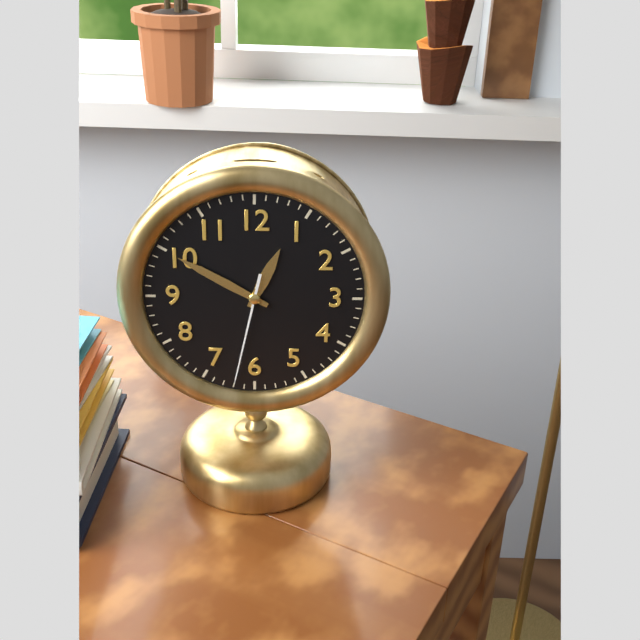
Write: 12h50m32s
